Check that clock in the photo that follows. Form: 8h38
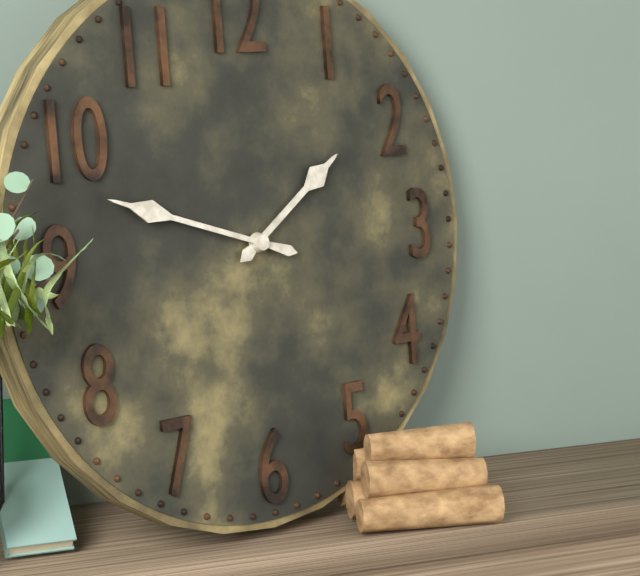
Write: 1h48
